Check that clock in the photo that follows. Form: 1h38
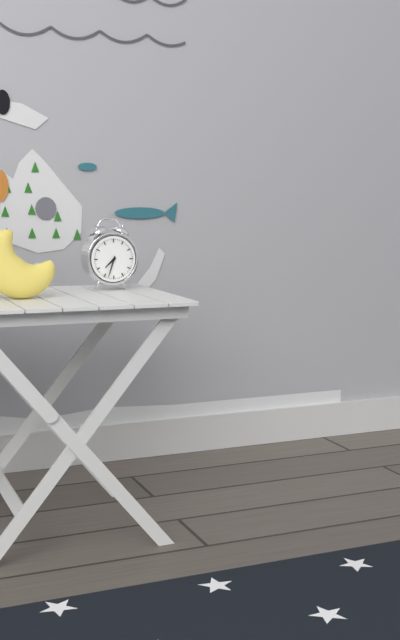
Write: 7h33
